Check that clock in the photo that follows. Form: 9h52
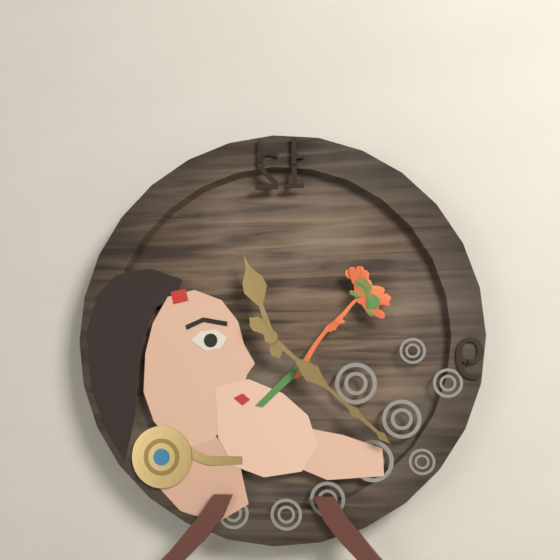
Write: 11h22
